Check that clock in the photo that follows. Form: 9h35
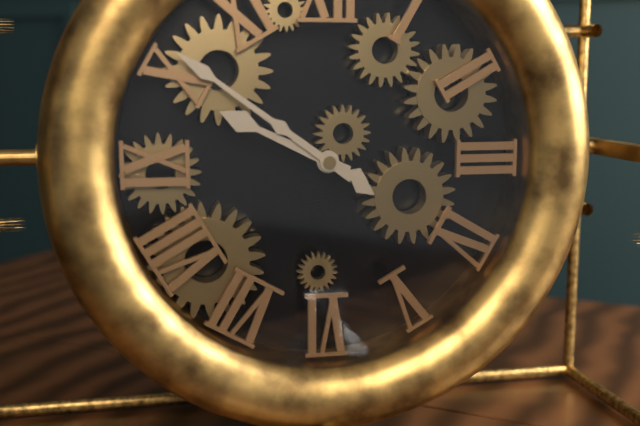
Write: 9h51
